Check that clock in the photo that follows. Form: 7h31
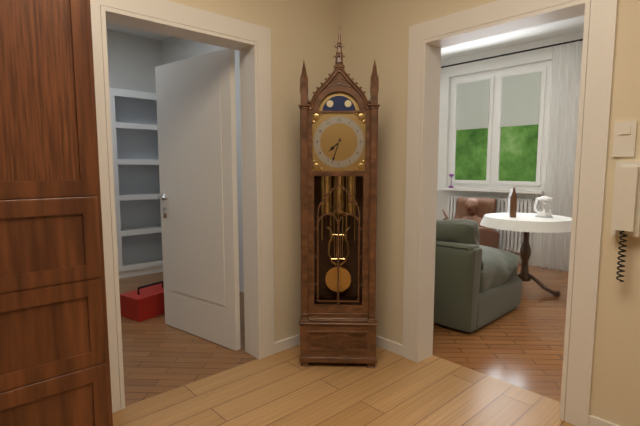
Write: 7h33
